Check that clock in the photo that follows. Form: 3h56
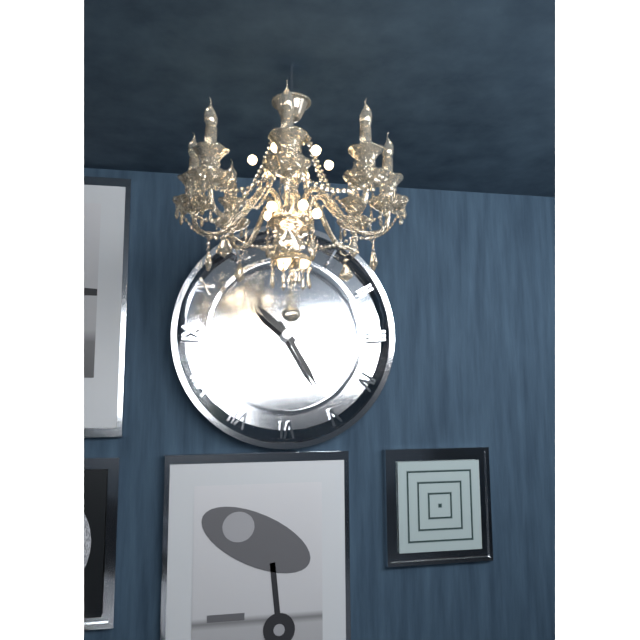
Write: 10h25
